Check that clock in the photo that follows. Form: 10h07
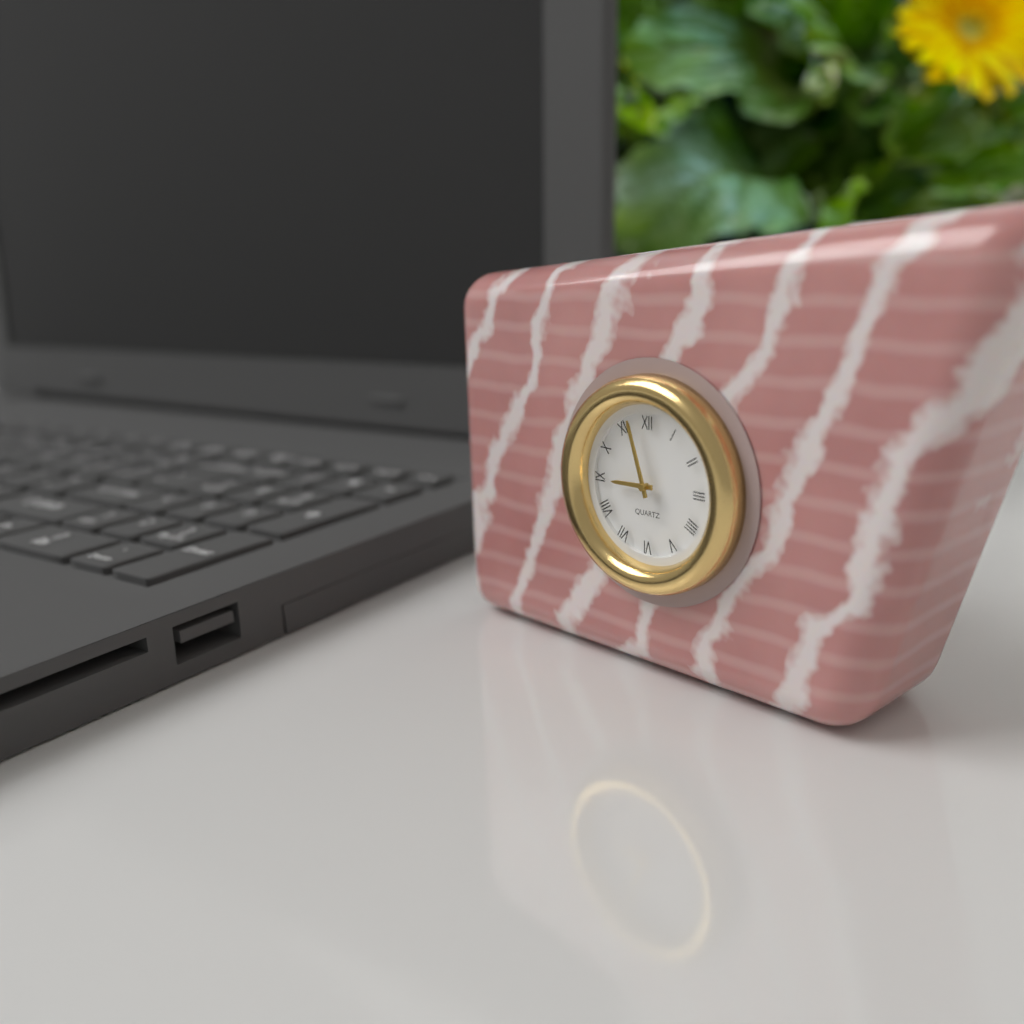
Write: 8h57
